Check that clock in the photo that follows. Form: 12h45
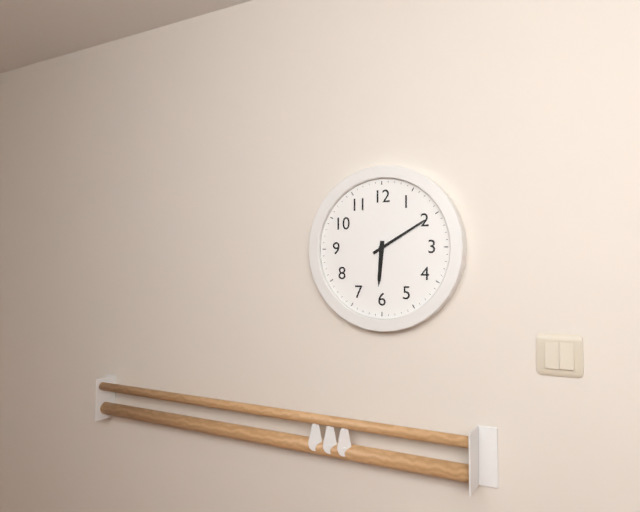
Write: 6h10
